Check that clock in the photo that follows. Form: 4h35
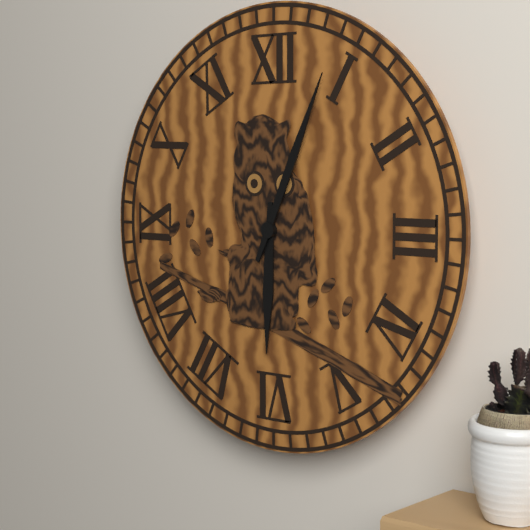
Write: 6h04
